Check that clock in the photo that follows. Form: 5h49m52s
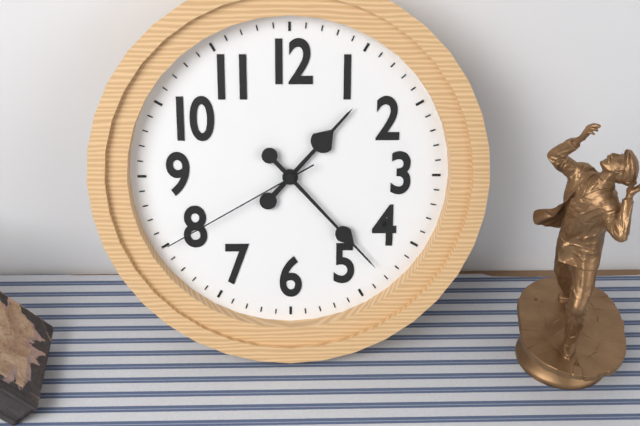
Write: 1h23m40s
